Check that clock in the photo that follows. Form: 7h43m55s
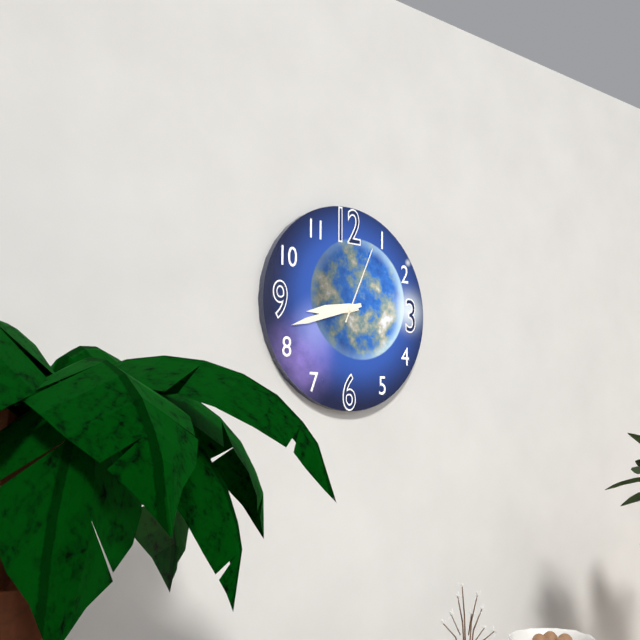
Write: 8h42m04s
